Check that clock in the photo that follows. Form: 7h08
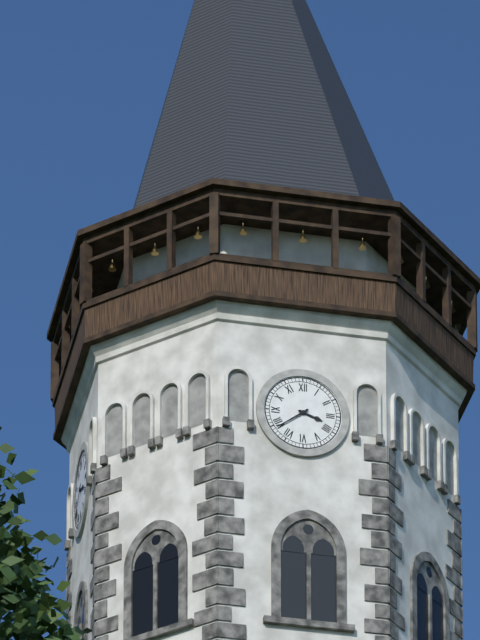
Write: 3h39
